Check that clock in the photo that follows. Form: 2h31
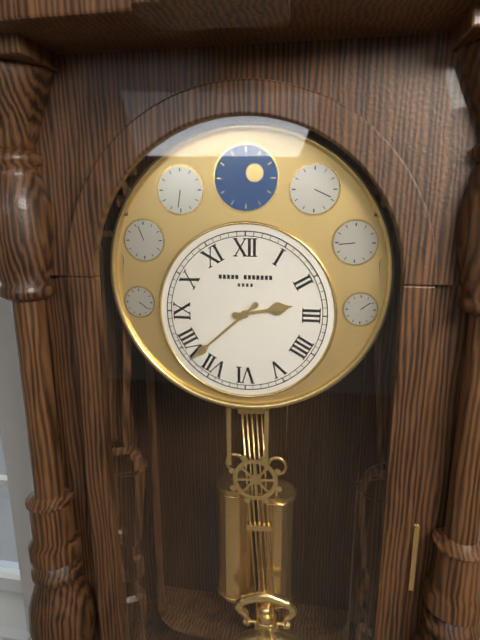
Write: 2h38
